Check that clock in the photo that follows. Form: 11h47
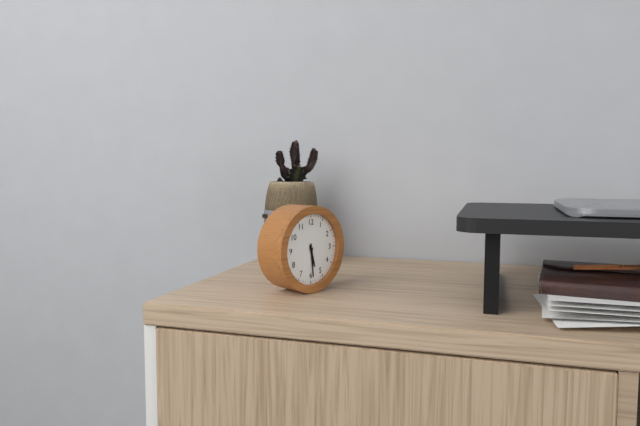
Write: 5h29
